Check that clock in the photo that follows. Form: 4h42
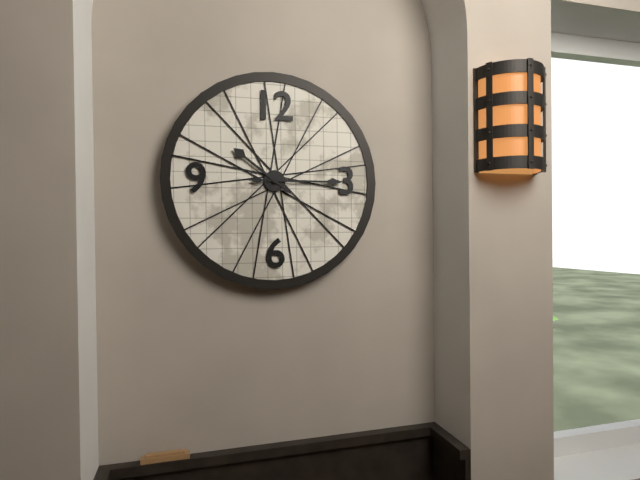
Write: 10h15
